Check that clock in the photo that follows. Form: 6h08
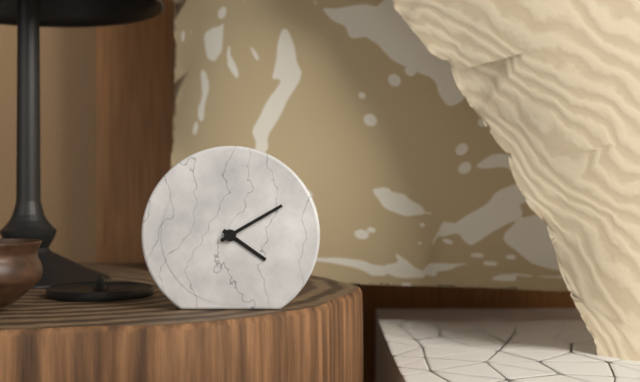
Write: 4h10
